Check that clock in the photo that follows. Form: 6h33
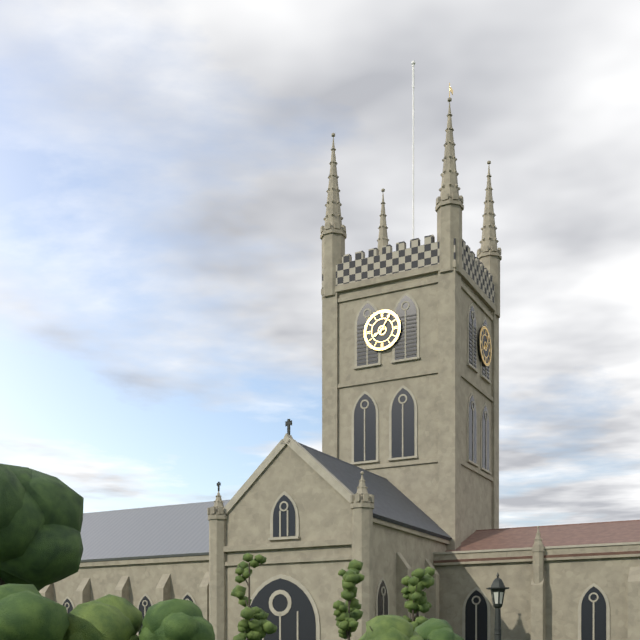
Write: 8h05
